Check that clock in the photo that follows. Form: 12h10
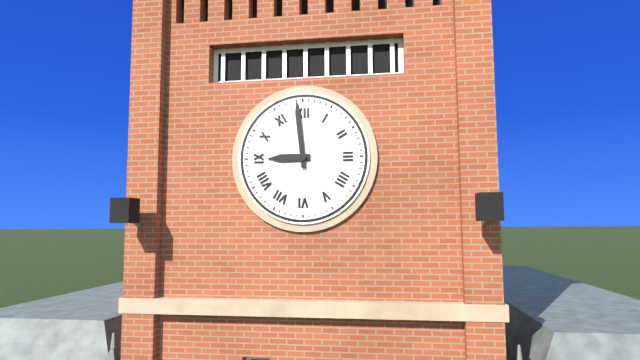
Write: 8h59
